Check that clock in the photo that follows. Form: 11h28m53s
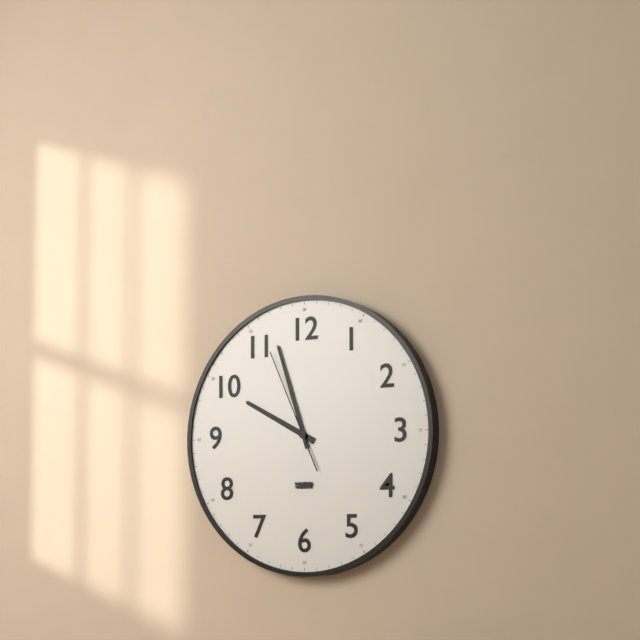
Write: 9h57m56s
